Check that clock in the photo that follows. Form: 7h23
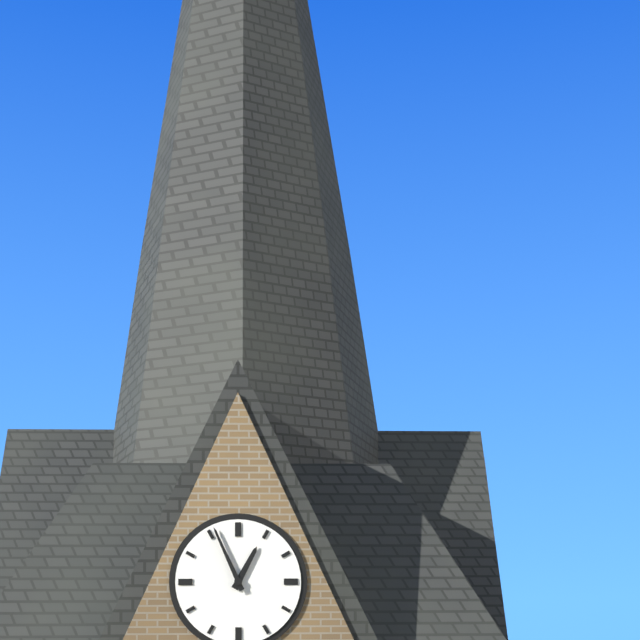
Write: 12h56
